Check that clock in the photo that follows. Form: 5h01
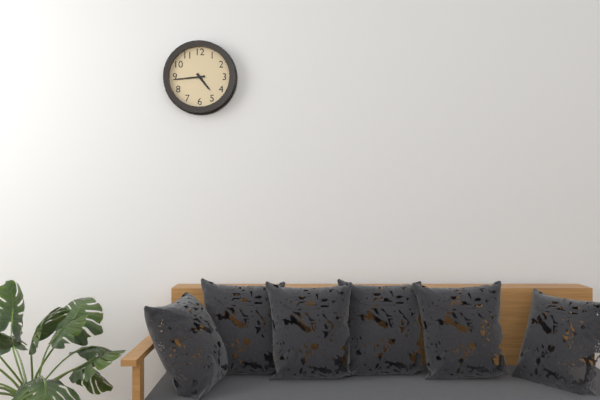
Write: 4h44
